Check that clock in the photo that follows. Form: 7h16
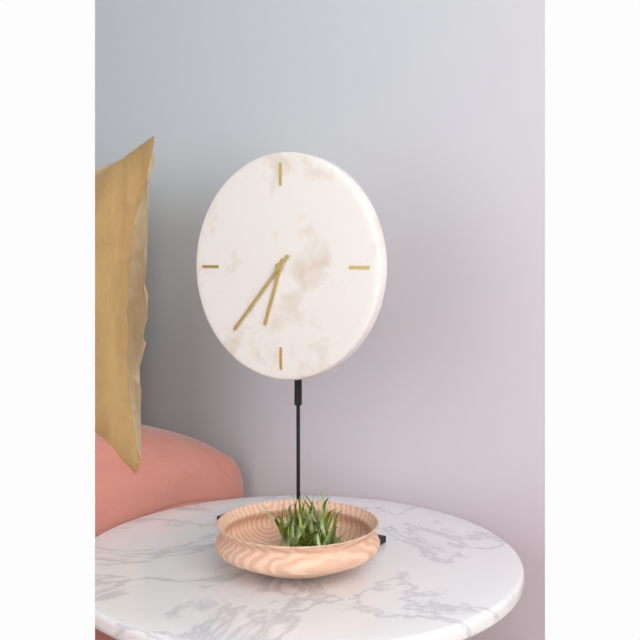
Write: 6h37
